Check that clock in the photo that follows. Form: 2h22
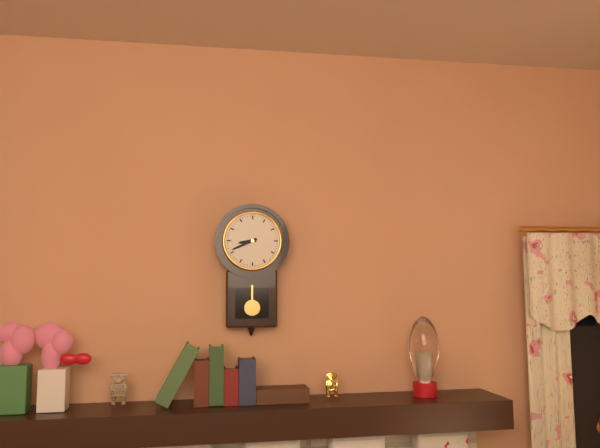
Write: 8h41
